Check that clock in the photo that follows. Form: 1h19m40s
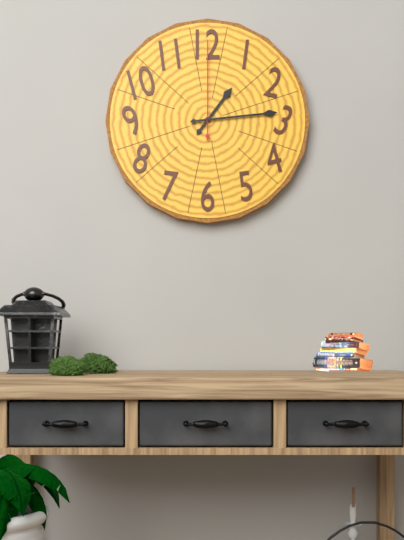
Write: 1h14m00s
